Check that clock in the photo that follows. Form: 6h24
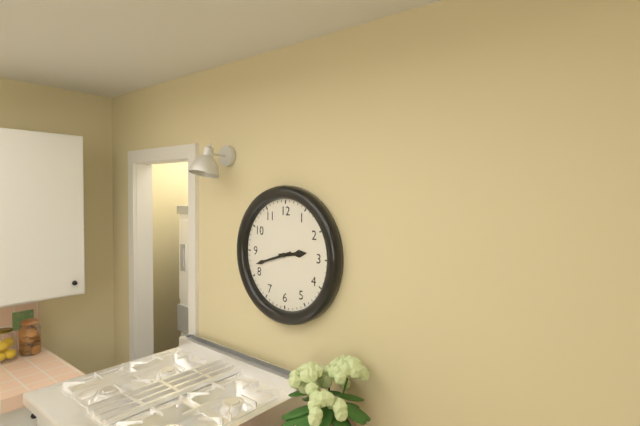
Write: 2h42
